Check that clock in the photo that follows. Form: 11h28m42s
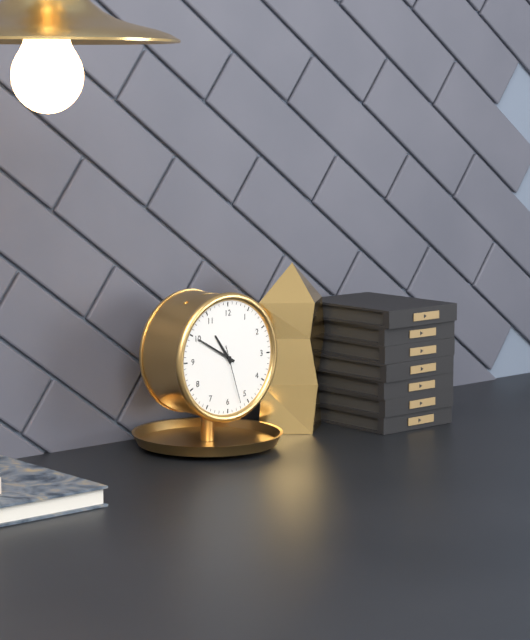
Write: 10h50m27s
